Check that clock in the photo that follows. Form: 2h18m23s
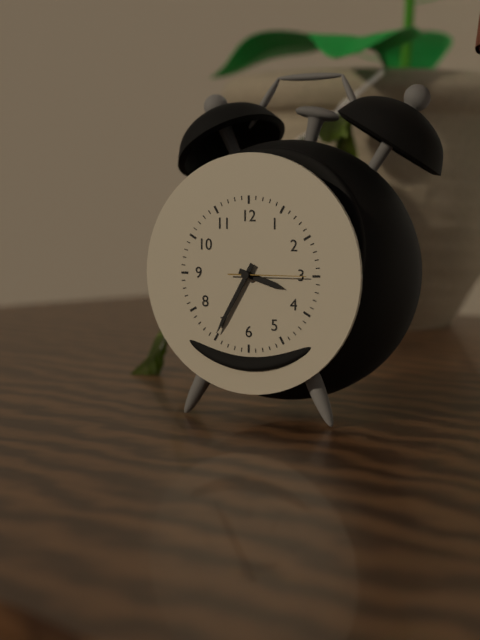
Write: 3h35m15s
